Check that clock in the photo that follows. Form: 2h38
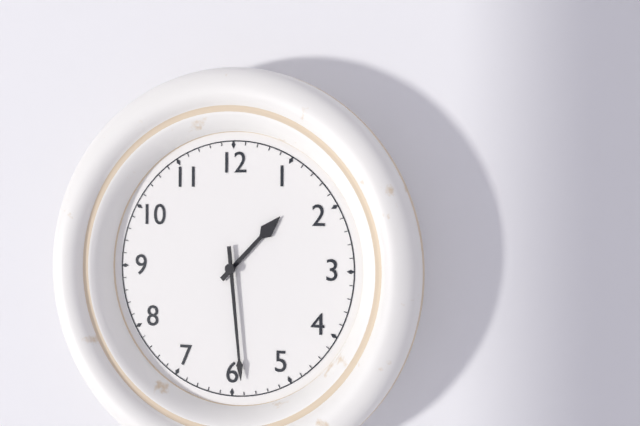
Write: 1h29
